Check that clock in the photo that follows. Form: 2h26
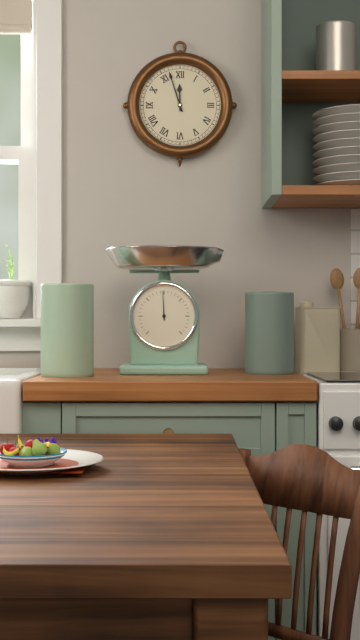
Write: 11h57
